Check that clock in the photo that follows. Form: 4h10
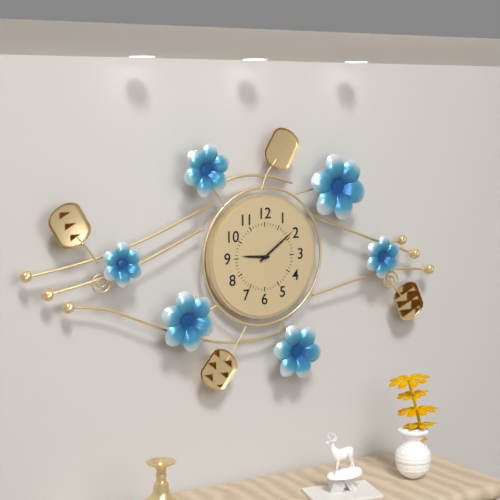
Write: 9h09
